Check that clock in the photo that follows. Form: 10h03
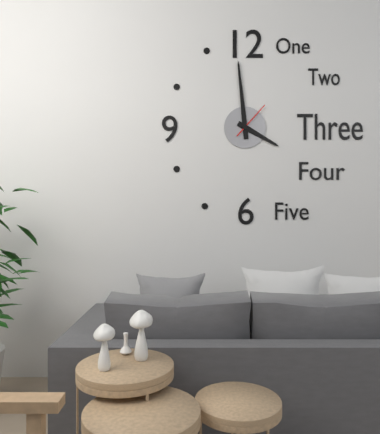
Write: 3h59
